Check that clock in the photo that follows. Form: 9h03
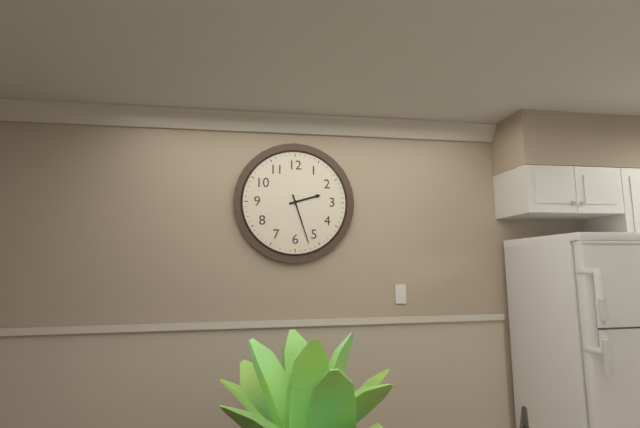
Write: 2h27
